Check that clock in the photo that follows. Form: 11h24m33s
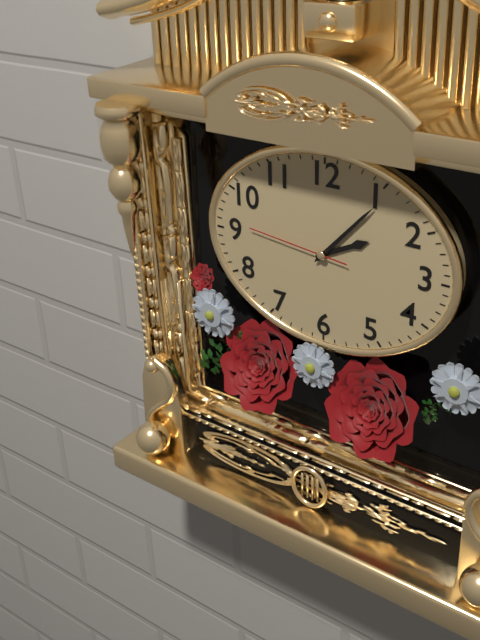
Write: 2h07m46s
